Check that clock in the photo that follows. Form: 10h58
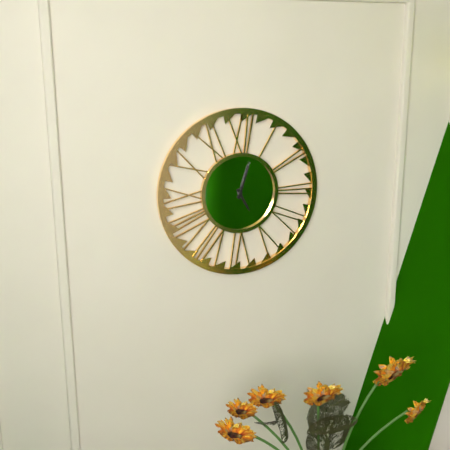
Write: 5h03
